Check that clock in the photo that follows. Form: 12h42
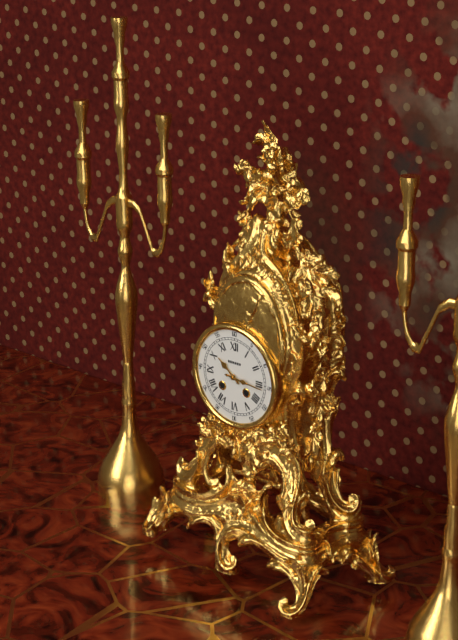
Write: 10h16
